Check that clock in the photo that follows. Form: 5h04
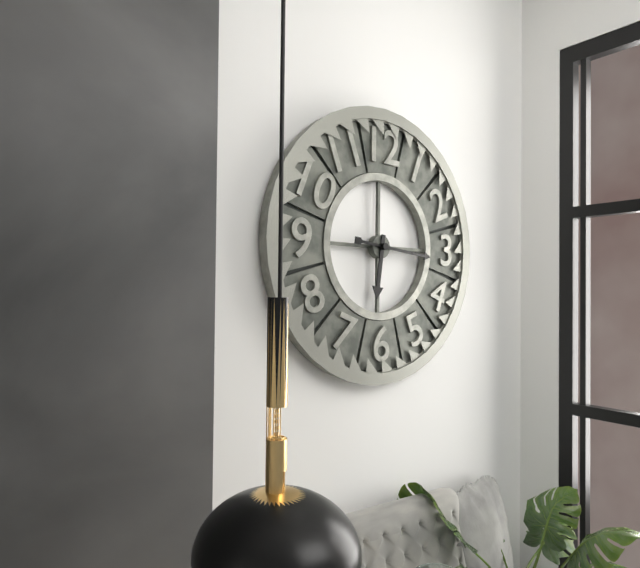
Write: 6h16
